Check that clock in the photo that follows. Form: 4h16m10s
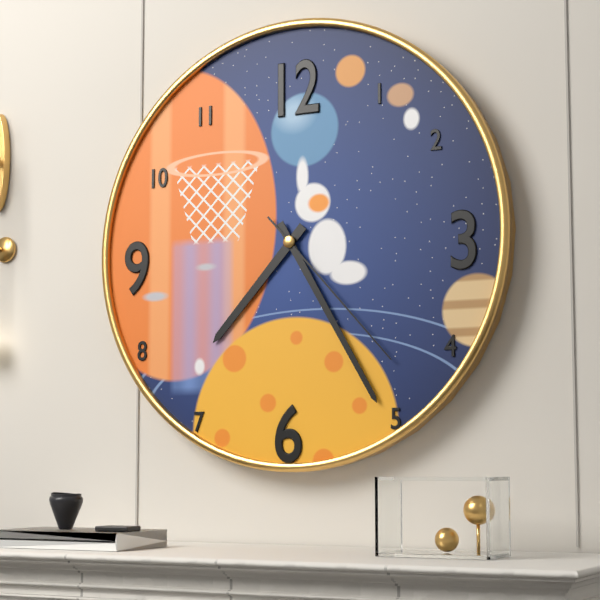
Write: 7h25m23s
